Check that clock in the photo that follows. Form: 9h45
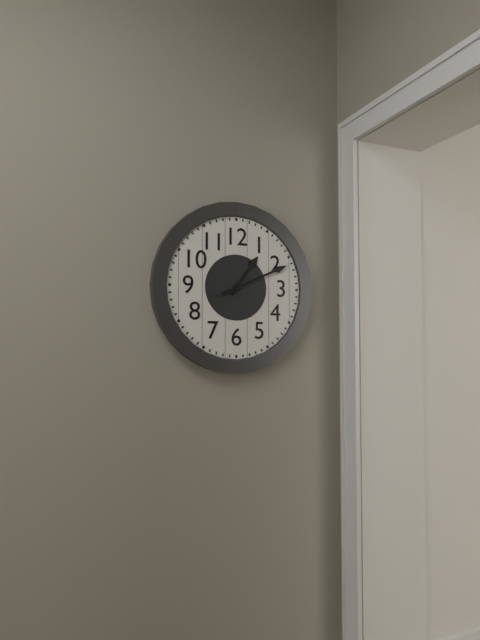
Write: 1h11
